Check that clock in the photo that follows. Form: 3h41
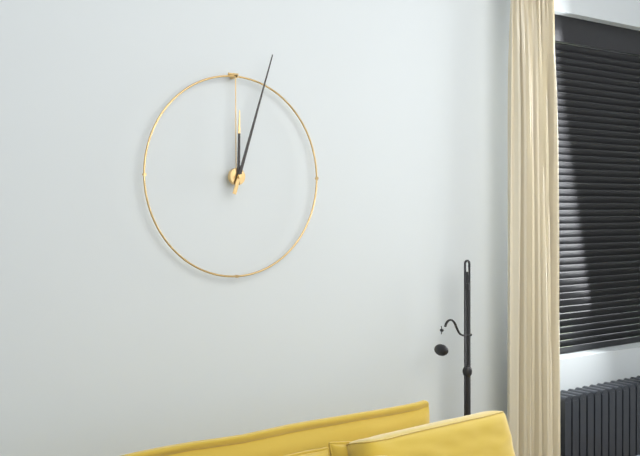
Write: 12h03
